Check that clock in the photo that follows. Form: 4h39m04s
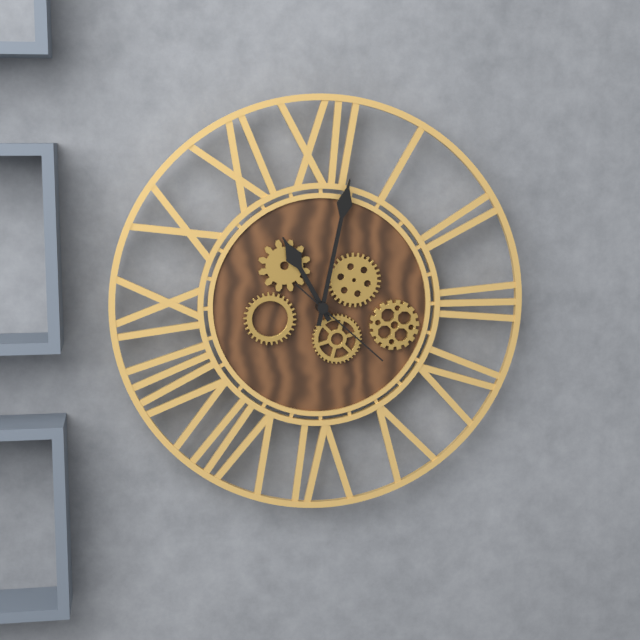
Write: 11h02m22s
